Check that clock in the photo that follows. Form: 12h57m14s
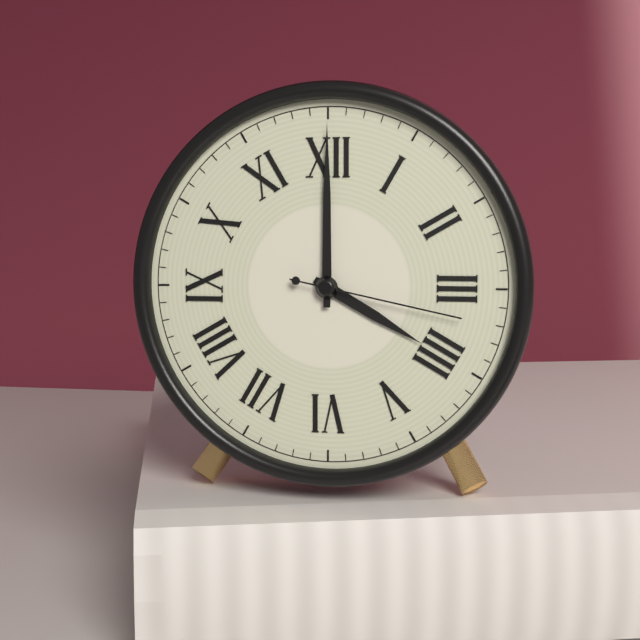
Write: 4h00m17s
